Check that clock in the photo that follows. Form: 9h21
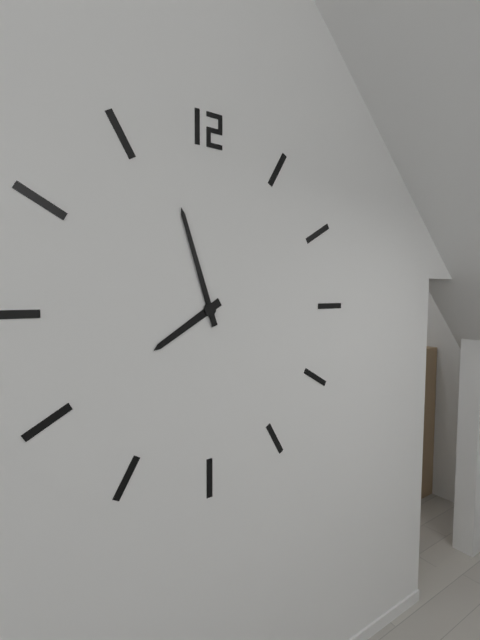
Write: 7h57
